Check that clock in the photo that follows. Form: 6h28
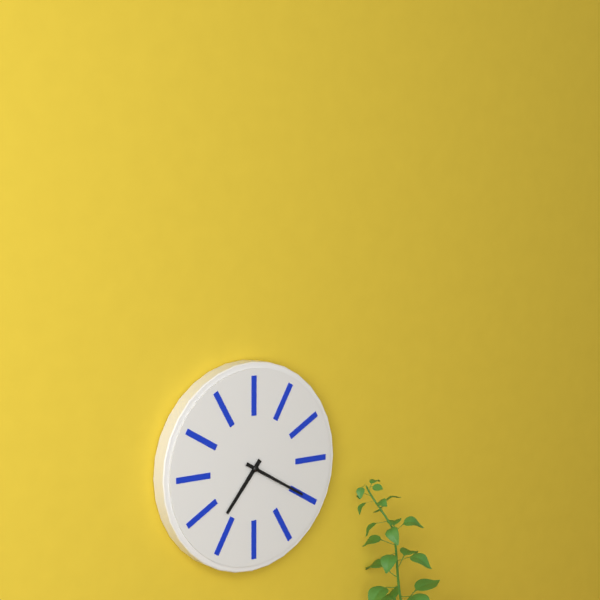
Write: 7h20
